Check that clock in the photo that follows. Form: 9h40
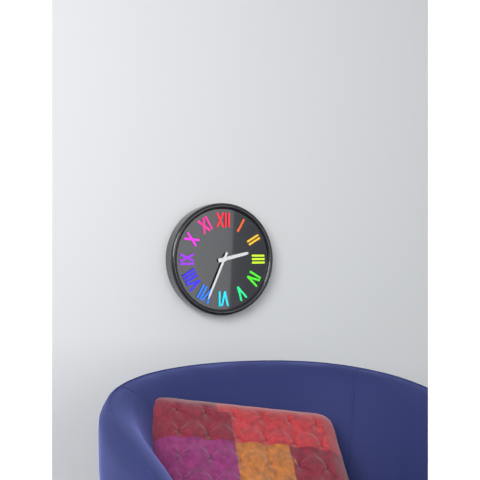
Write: 2h34
